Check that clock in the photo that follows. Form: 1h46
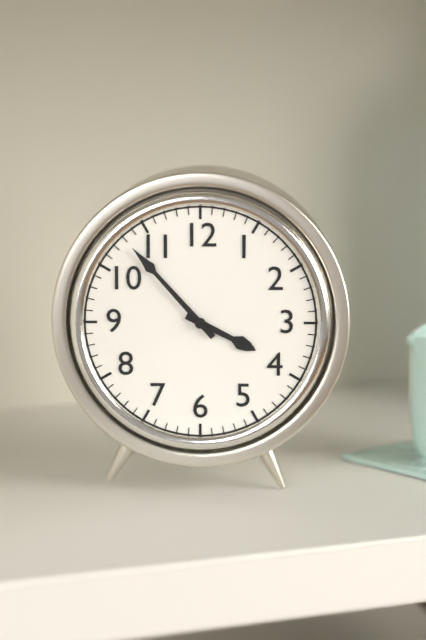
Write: 3h53
